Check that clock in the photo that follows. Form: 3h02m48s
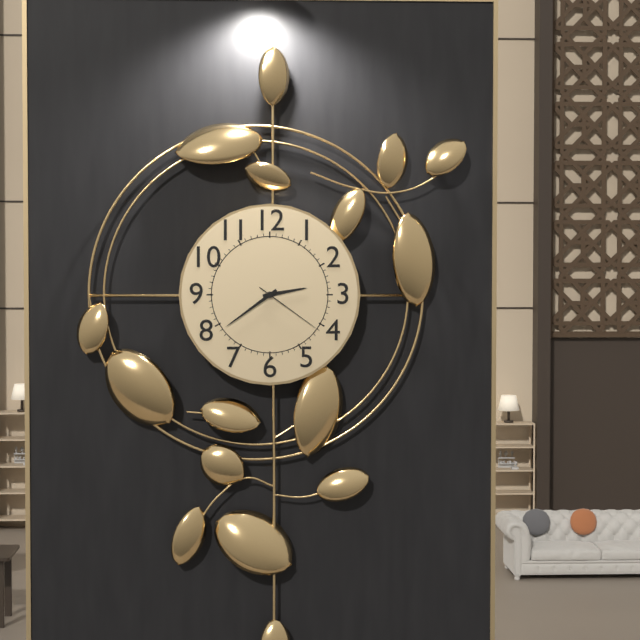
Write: 2h39m21s
